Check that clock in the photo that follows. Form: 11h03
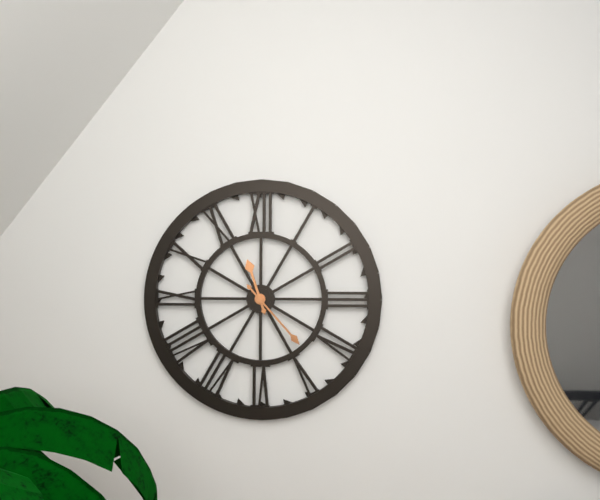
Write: 11h23
